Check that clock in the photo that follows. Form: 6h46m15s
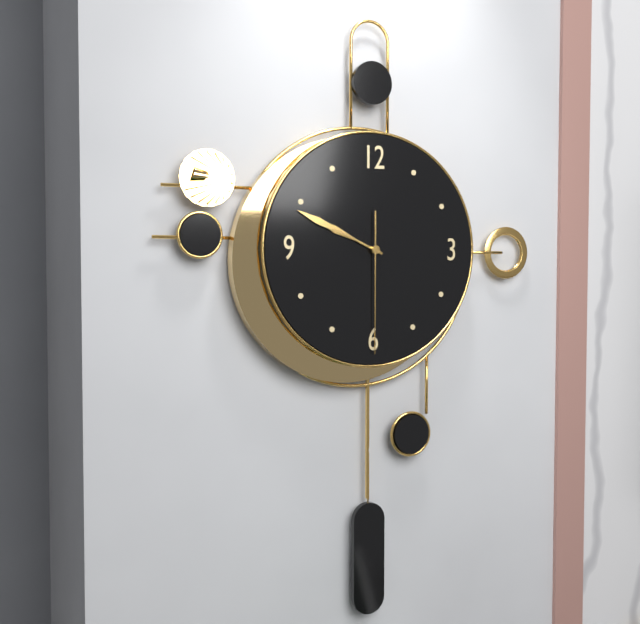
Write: 9h49m30s
